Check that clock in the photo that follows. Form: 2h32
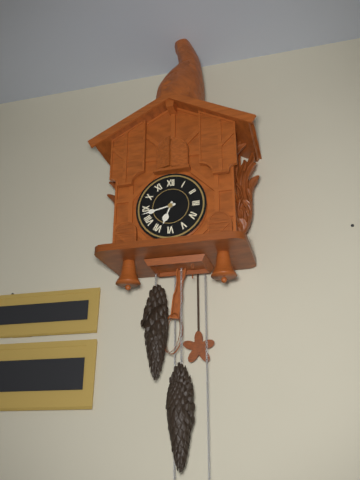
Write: 6h43
